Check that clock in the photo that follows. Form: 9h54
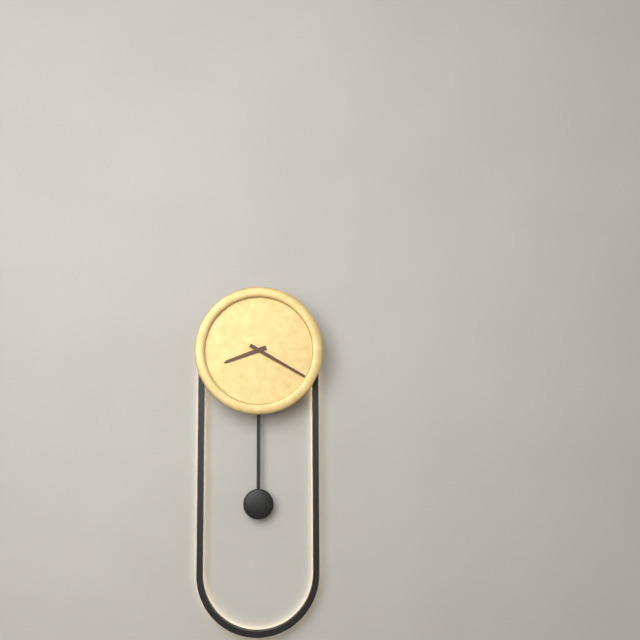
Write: 8h20
